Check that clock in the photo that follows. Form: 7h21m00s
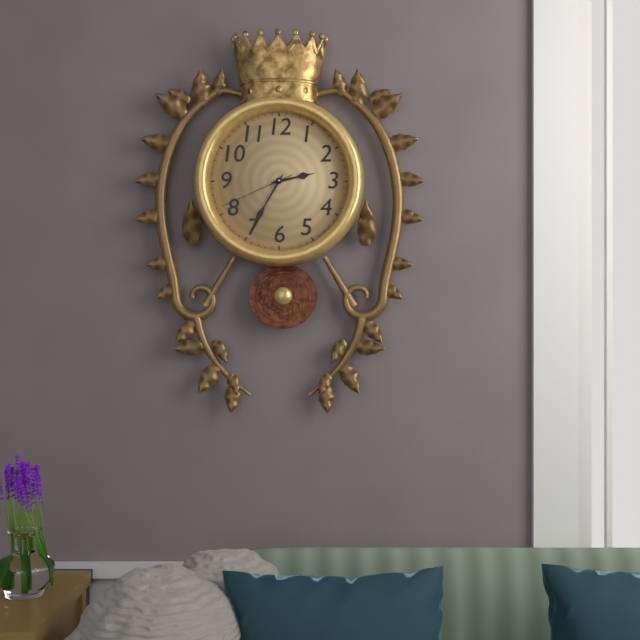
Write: 2h35m41s
